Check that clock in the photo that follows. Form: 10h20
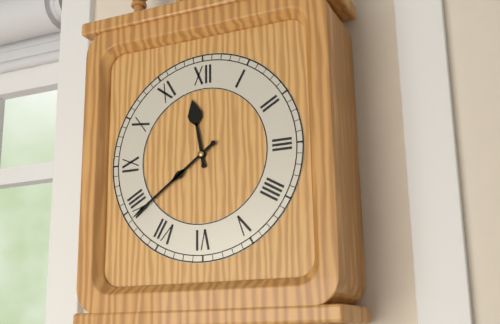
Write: 11h39
